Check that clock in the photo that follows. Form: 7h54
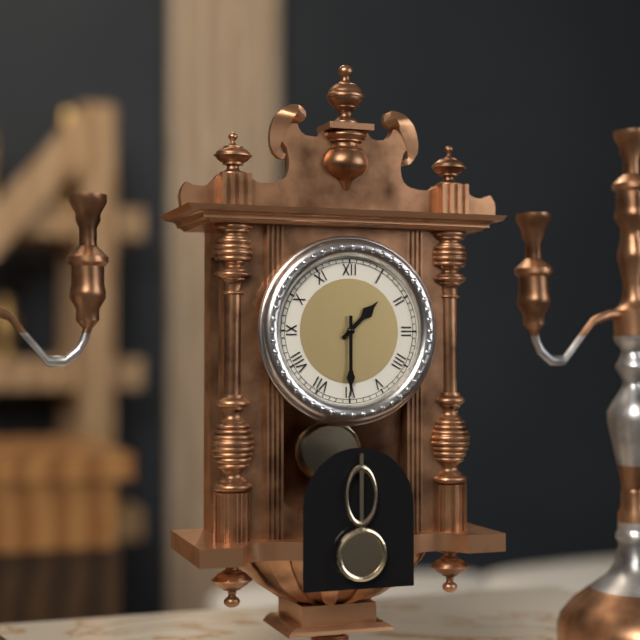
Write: 1h30
